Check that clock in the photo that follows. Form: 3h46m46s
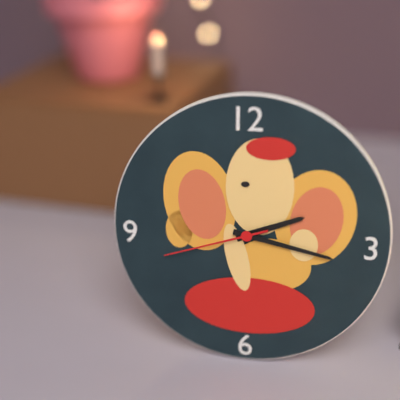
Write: 2h17m42s
